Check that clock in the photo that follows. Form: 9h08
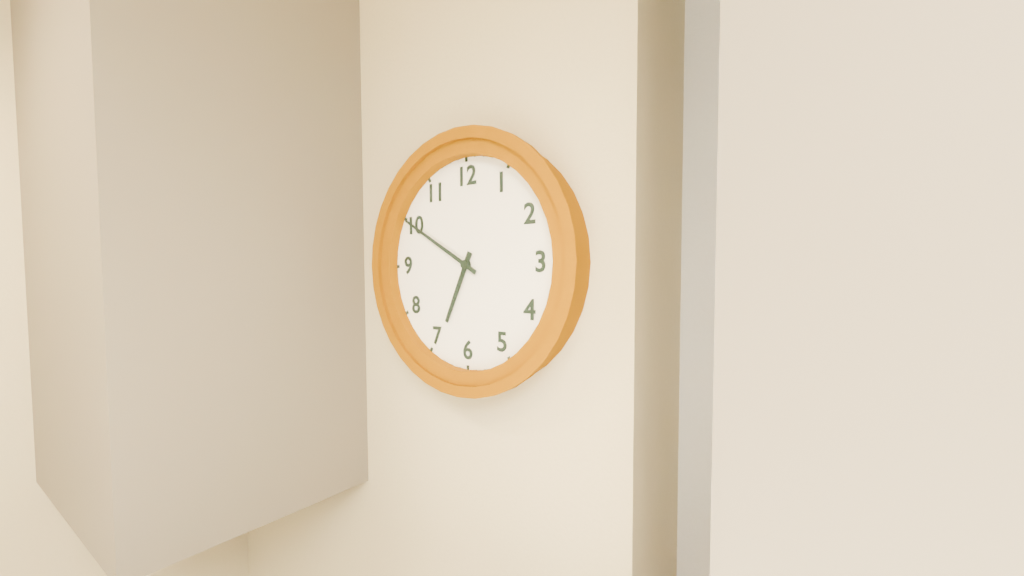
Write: 6h50
